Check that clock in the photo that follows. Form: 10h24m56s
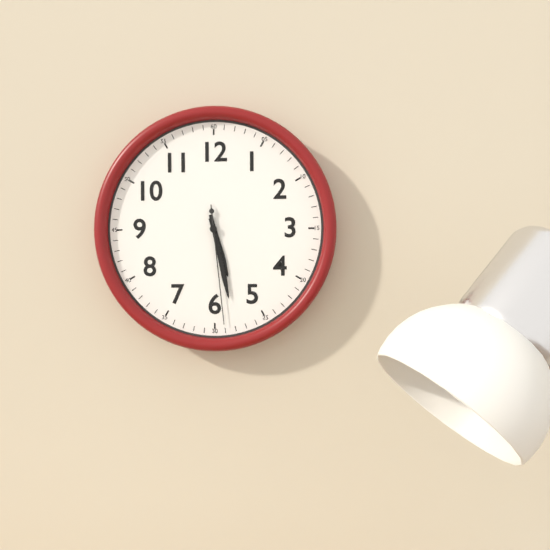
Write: 5h28m29s
